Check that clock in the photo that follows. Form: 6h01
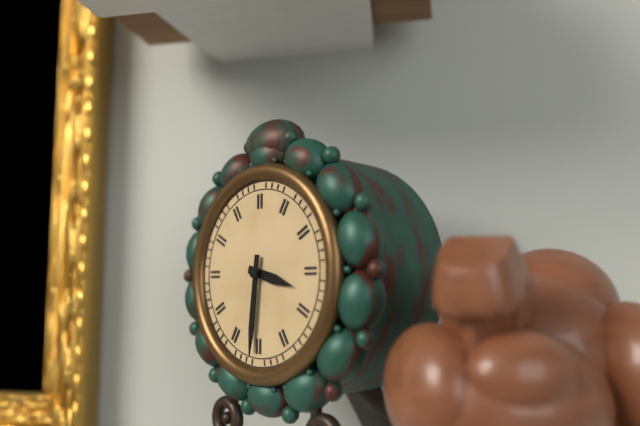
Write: 3h31
